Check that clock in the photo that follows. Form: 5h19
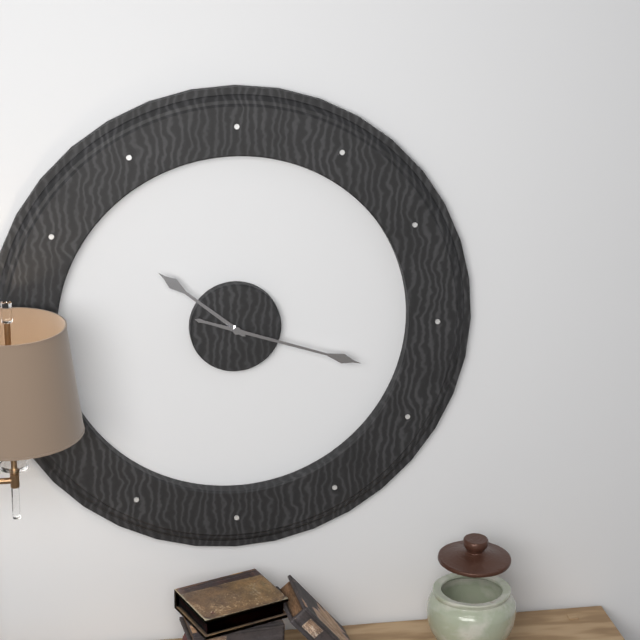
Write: 10h18
